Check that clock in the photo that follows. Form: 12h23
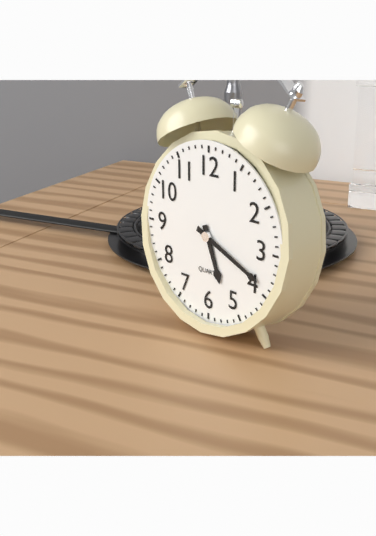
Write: 5h19
